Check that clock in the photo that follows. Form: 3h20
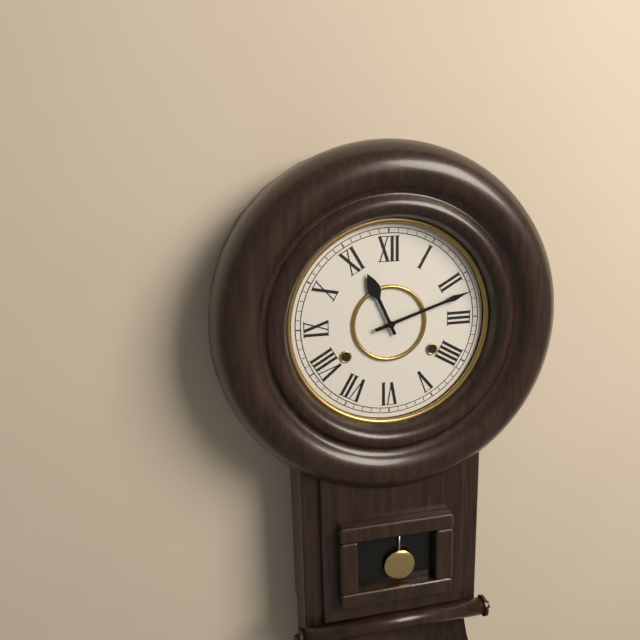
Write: 11h12
